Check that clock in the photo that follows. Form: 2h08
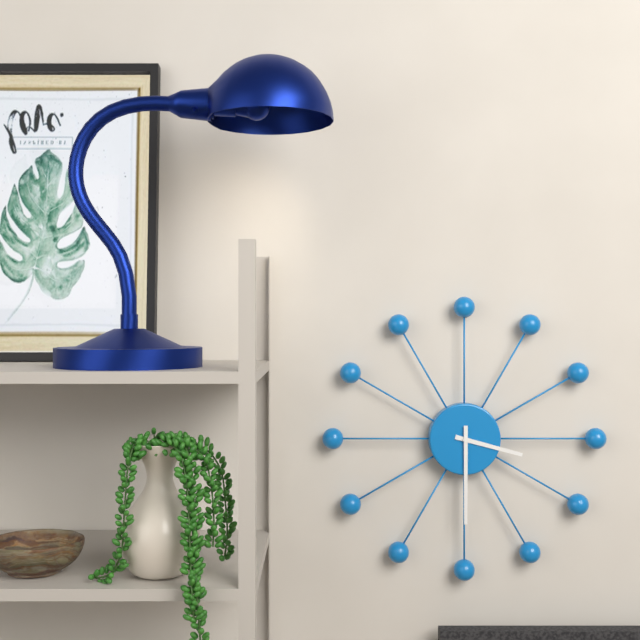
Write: 3h30
